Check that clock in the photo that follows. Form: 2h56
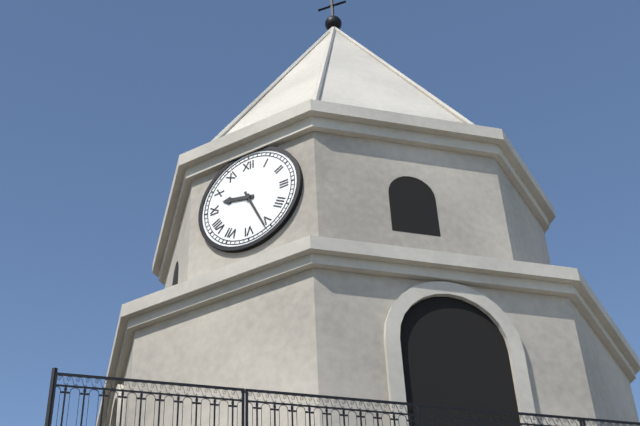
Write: 9h26
